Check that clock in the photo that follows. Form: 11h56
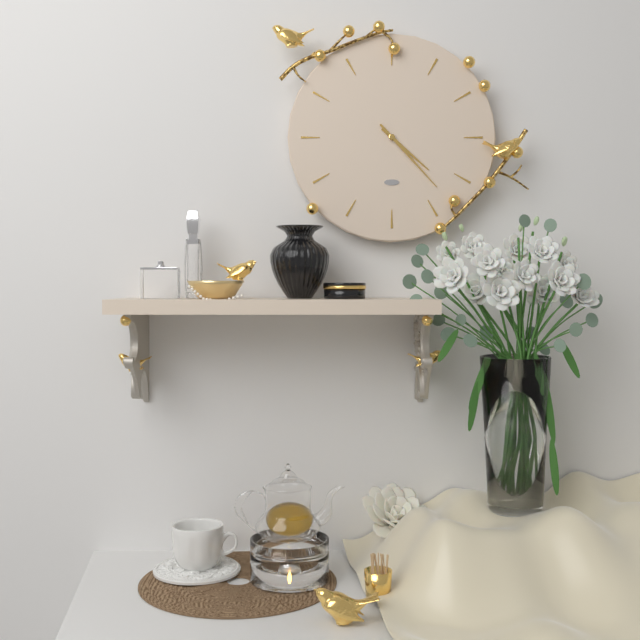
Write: 4h23
